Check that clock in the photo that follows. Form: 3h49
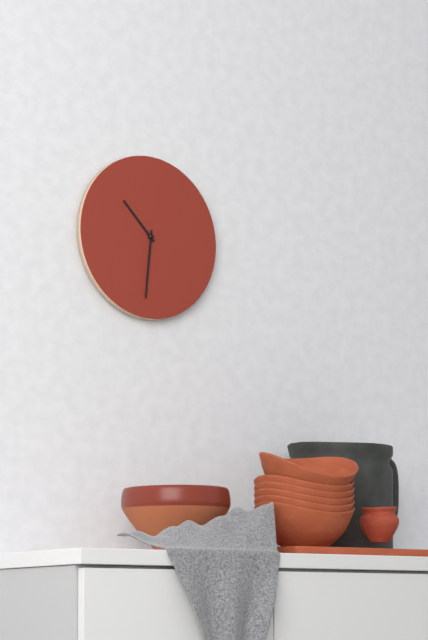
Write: 10h31
